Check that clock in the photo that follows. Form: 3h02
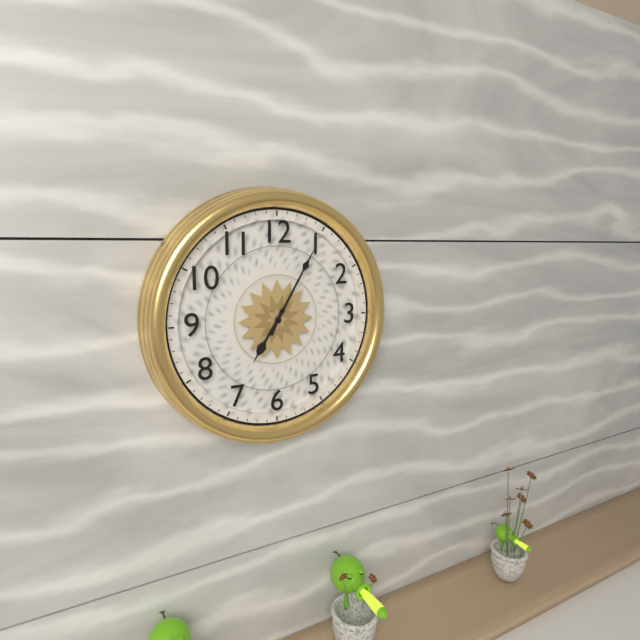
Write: 7h05
